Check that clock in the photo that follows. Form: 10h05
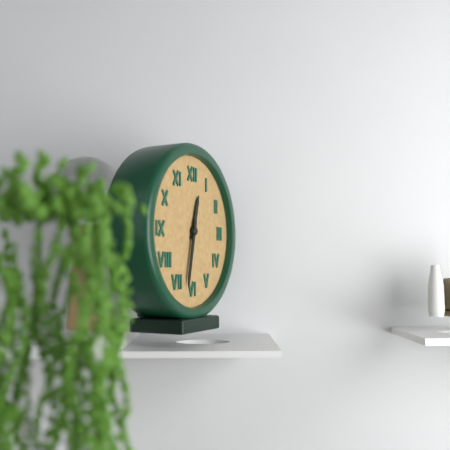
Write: 12h32
